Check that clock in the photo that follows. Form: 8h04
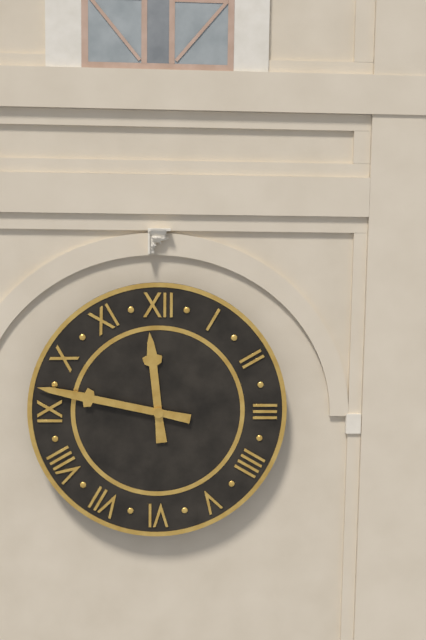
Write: 11h47
